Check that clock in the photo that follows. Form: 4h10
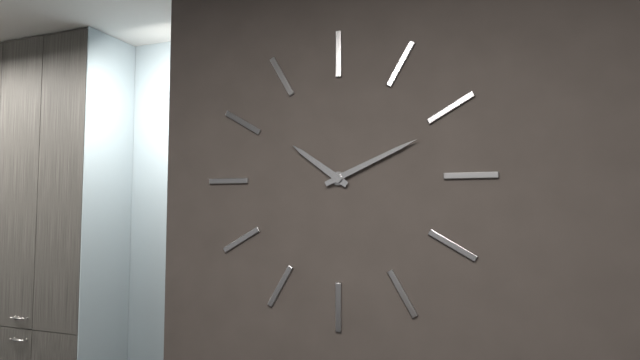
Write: 10h11
